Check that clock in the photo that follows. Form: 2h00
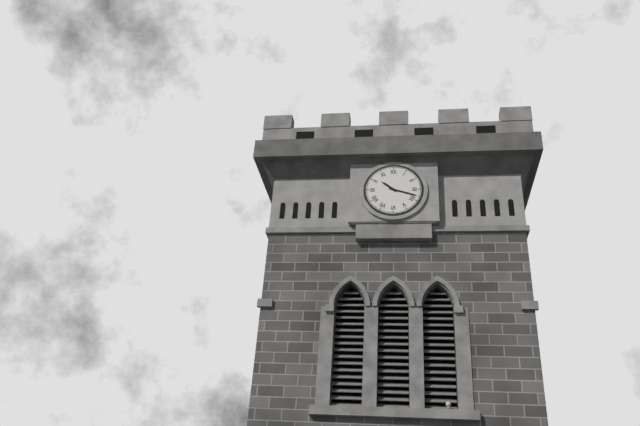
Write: 10h18
